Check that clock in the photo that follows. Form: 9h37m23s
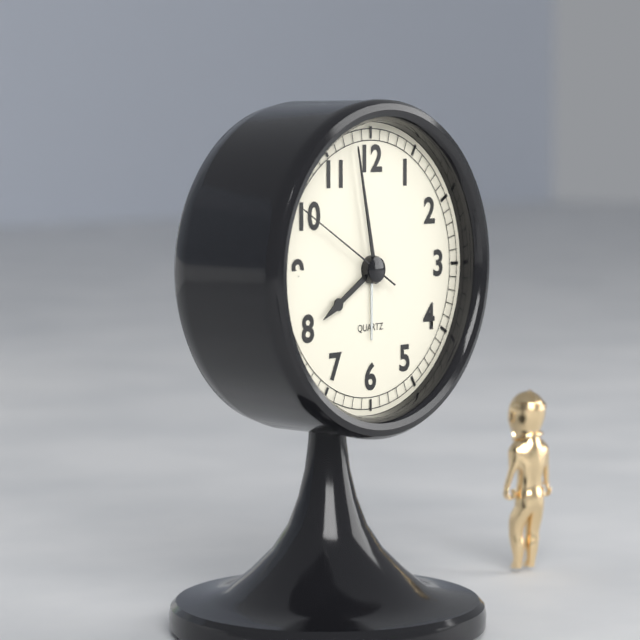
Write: 7h58m50s
